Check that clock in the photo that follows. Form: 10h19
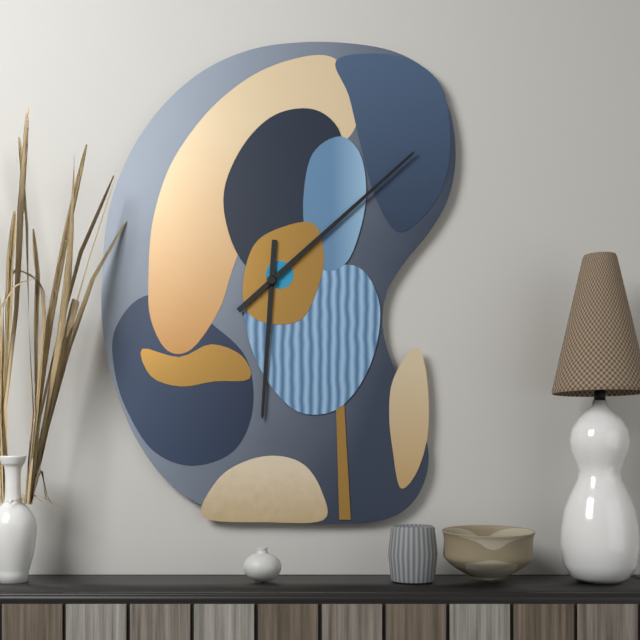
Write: 6h08
